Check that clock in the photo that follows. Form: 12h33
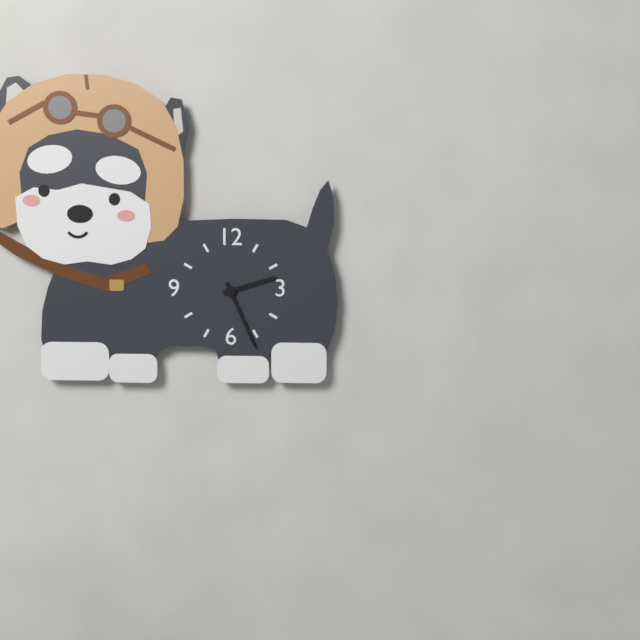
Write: 2h26
